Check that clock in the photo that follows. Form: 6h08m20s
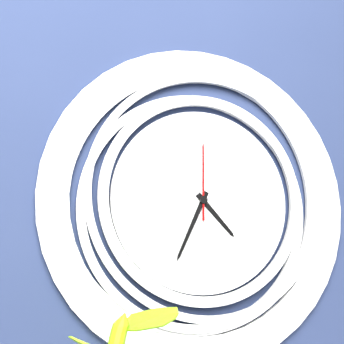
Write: 4h34m00s
